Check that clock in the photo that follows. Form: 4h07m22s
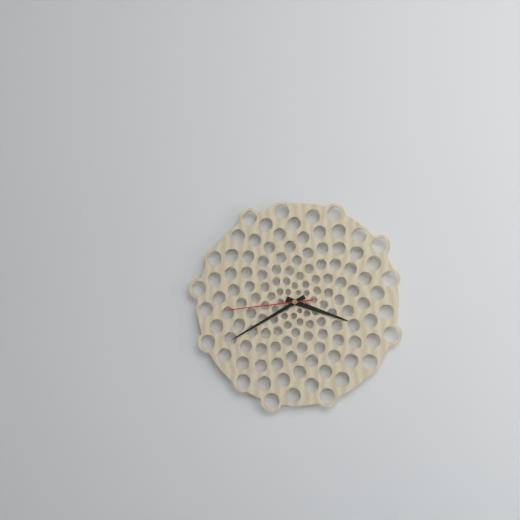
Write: 3h40m44s
